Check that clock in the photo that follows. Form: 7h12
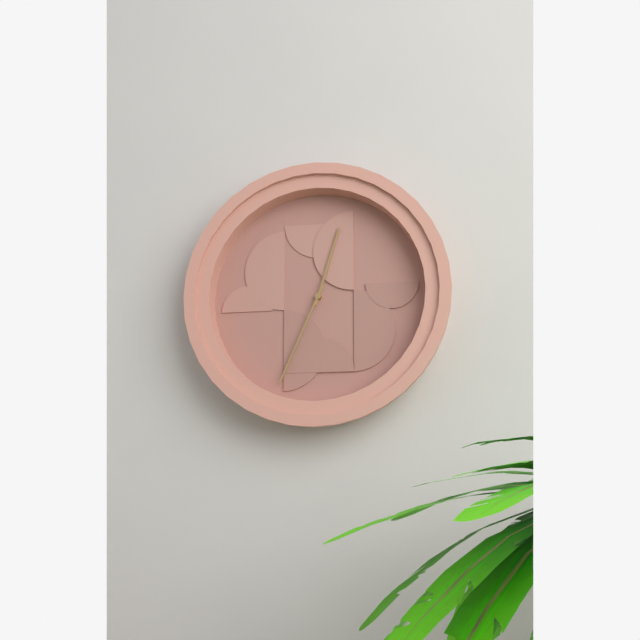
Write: 12h34
